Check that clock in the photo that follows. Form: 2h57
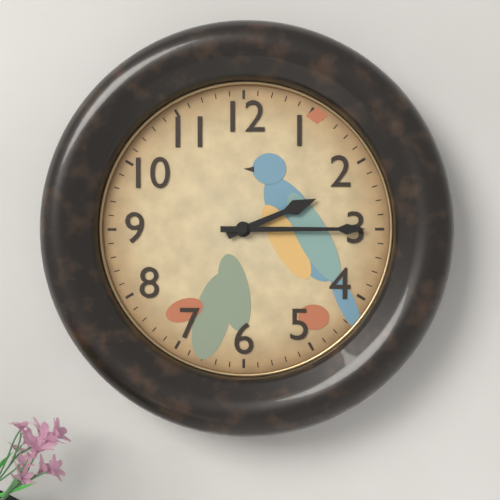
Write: 2h15
